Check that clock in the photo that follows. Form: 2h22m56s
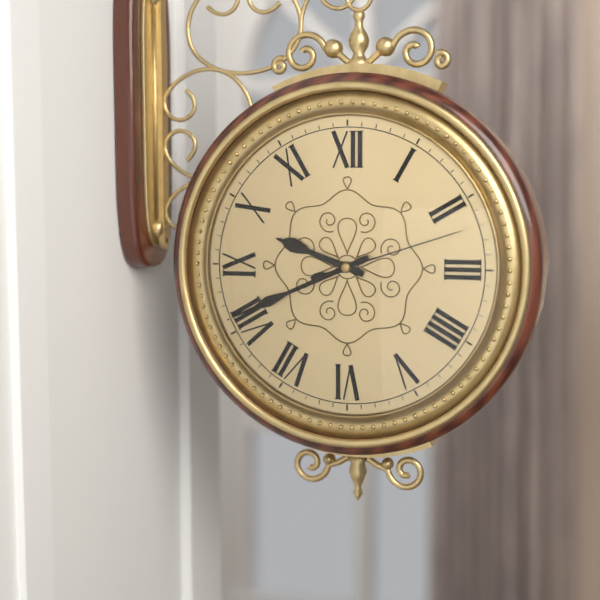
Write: 9h41m12s
